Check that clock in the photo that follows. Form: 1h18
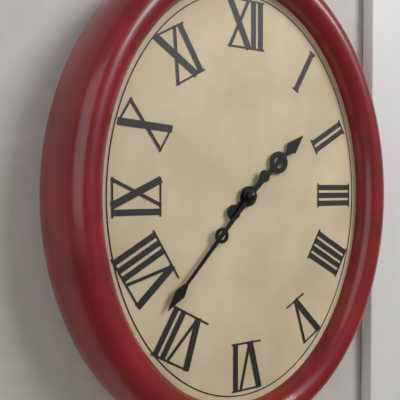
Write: 1h37
